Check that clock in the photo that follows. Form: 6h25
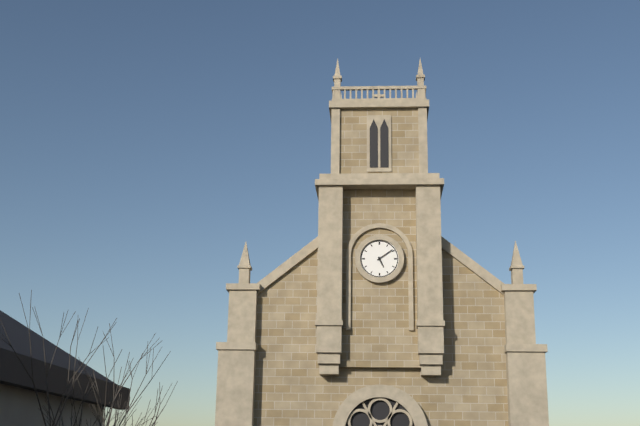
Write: 5h09
